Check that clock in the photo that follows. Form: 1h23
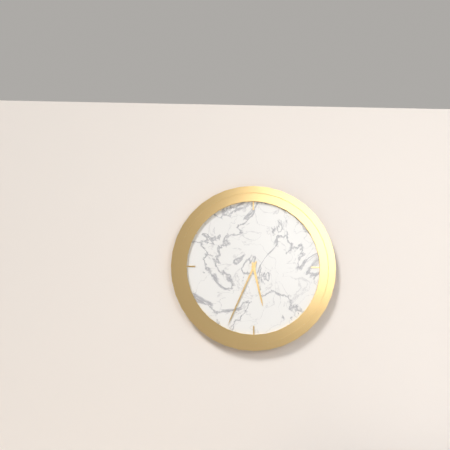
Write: 5h34
